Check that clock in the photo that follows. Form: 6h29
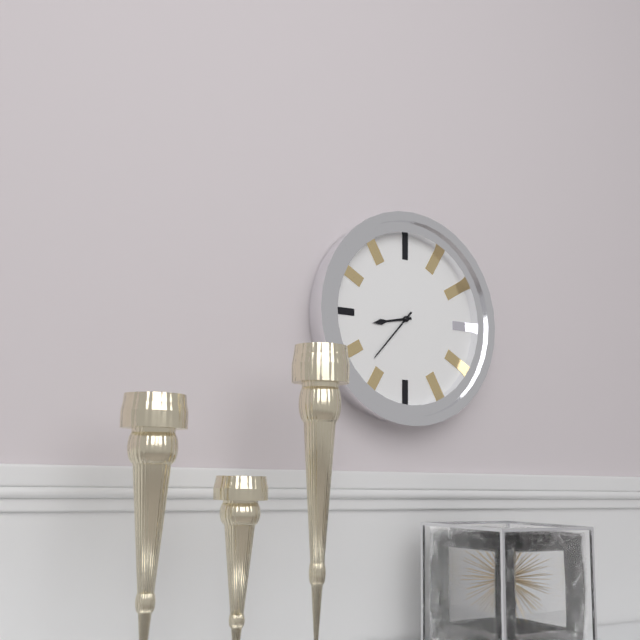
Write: 8h37
